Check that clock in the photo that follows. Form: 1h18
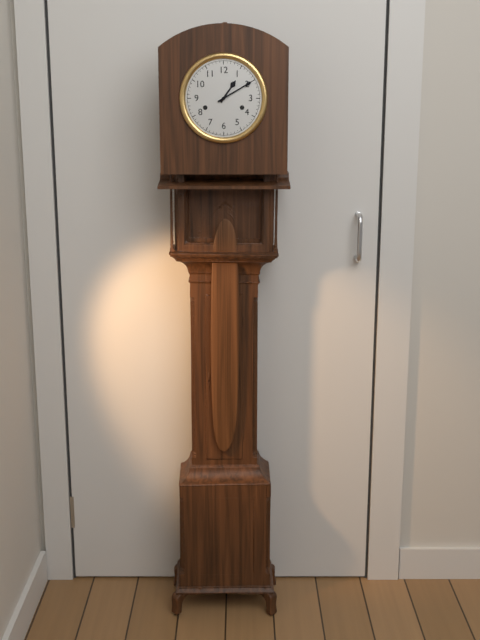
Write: 1h10
